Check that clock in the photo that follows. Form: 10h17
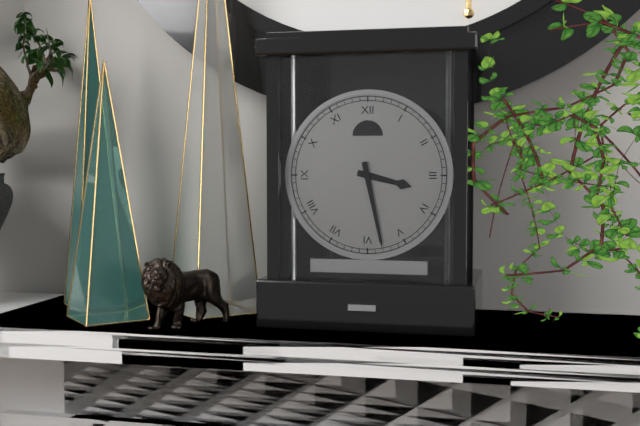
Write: 3h28
